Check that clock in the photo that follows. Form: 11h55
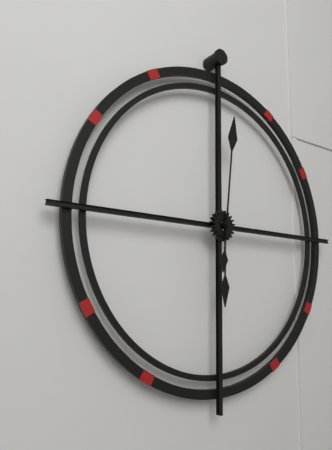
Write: 6h01
